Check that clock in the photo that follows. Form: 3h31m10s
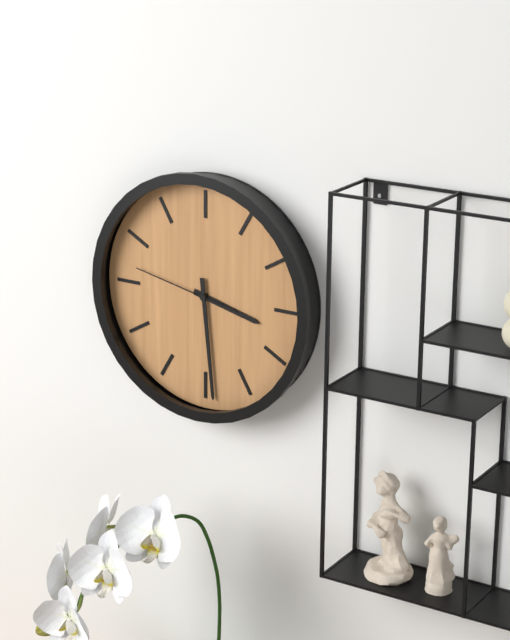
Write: 3h29m47s
